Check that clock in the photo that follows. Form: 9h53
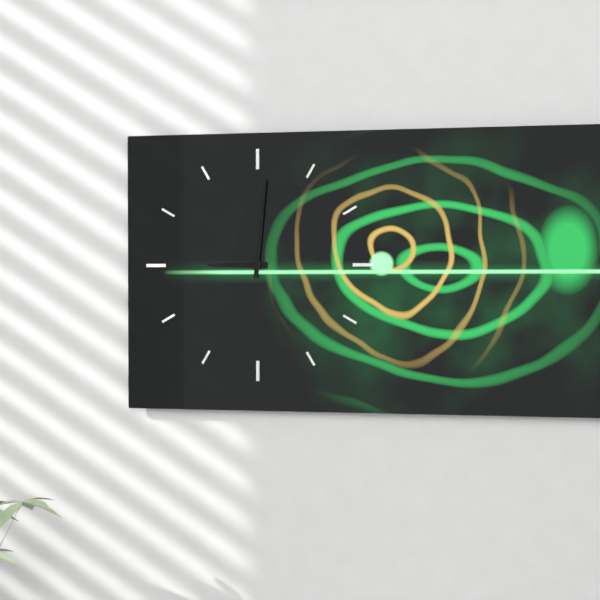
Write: 9h01
